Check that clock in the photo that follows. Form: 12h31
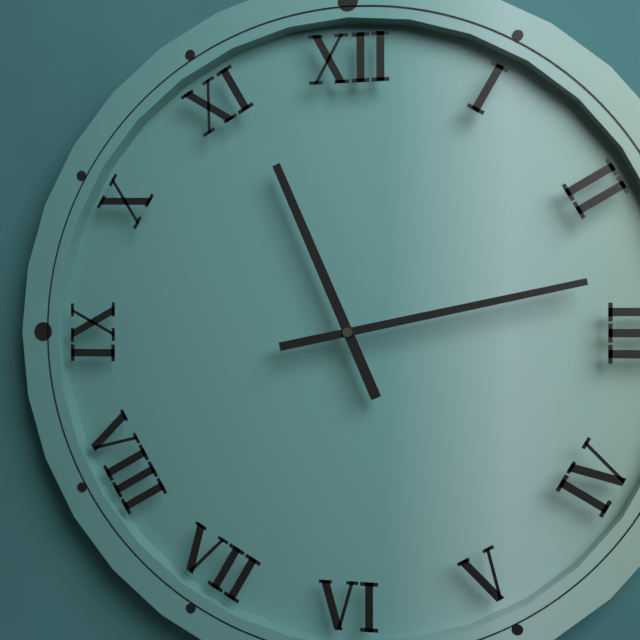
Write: 11h13
